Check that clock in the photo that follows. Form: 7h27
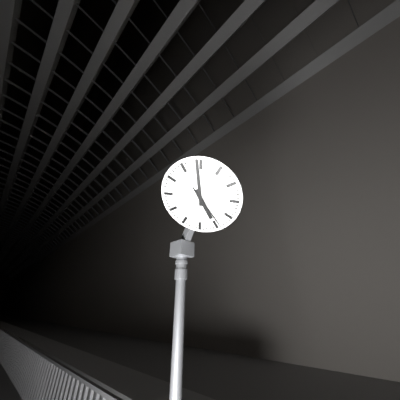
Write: 6h04
